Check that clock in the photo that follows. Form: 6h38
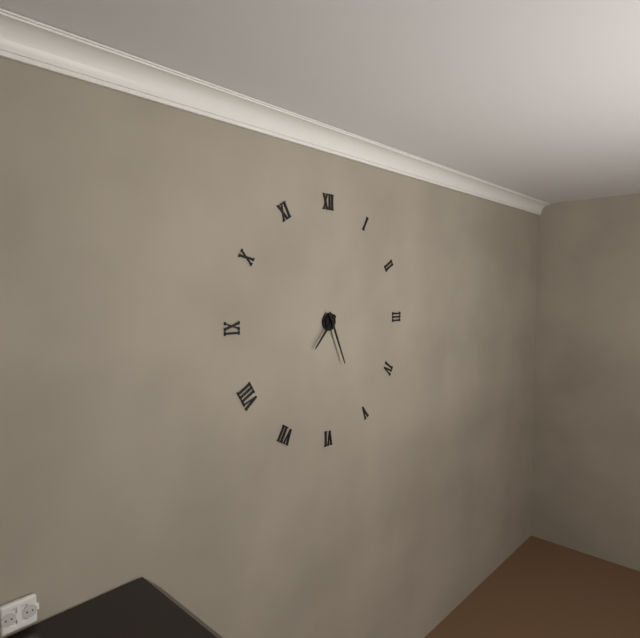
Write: 7h26
